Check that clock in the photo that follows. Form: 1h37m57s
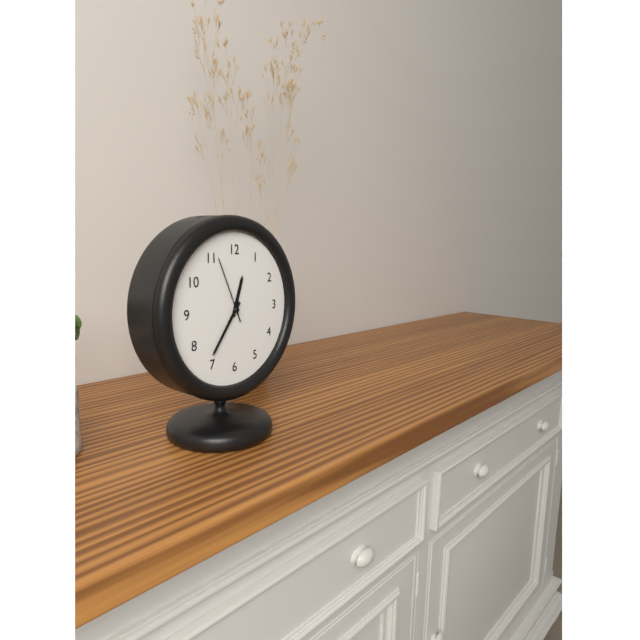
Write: 12h36m56s
